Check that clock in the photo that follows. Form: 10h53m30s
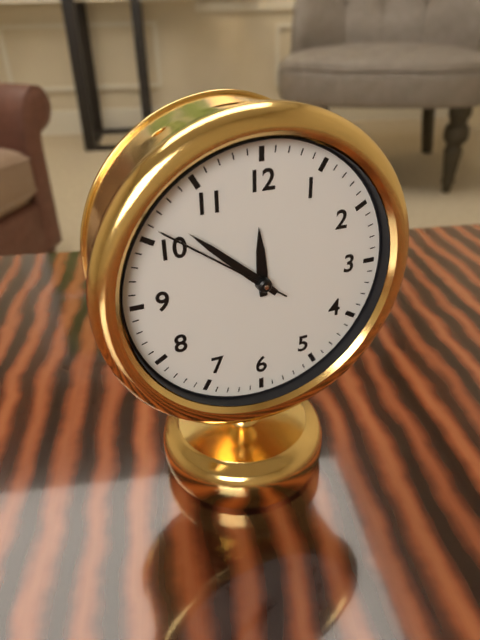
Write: 11h52m51s
